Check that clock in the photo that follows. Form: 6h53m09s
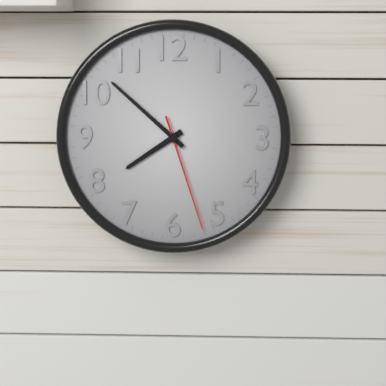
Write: 7h52m27s
